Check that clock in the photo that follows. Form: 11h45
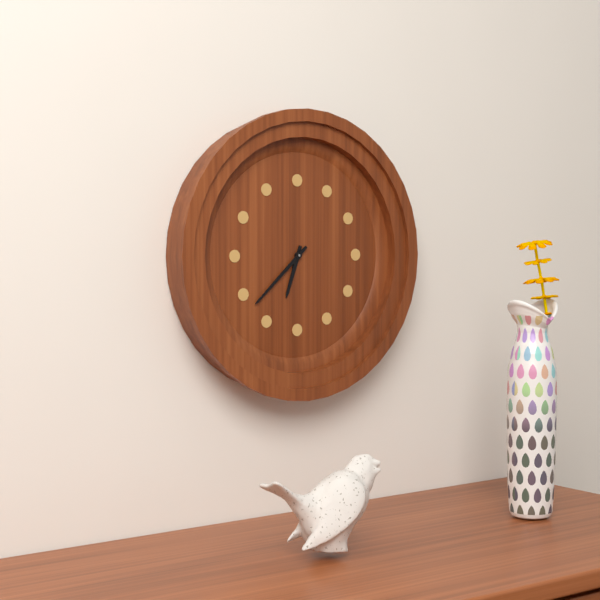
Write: 6h38
